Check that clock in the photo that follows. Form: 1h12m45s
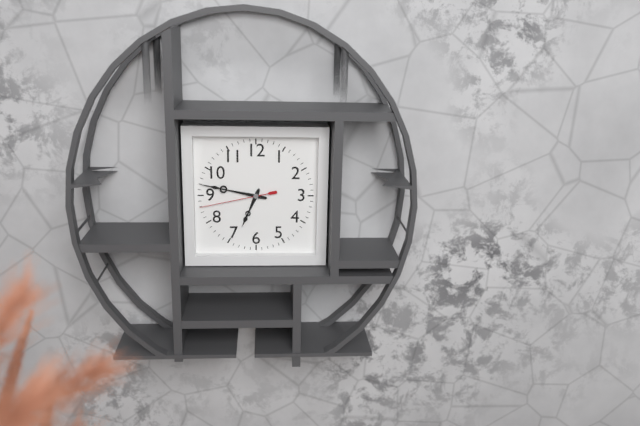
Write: 6h47m43s
